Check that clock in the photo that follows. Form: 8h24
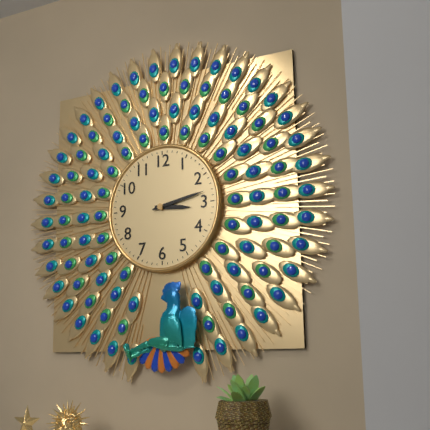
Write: 3h13
